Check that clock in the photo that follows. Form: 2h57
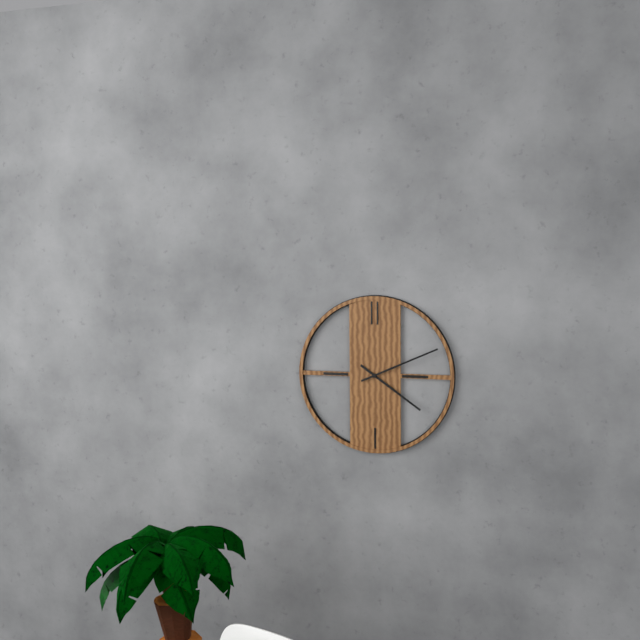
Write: 4h11
